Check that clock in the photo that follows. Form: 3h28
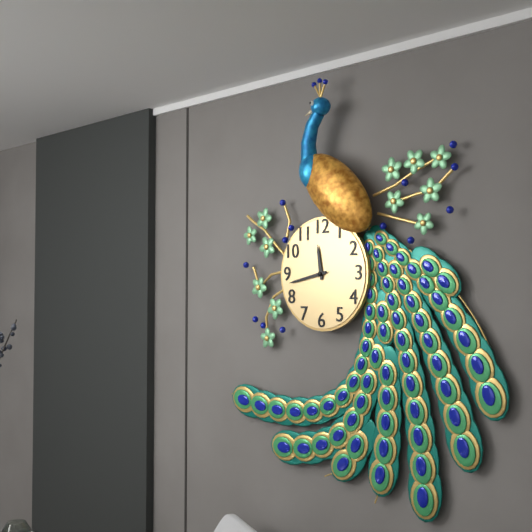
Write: 11h43
